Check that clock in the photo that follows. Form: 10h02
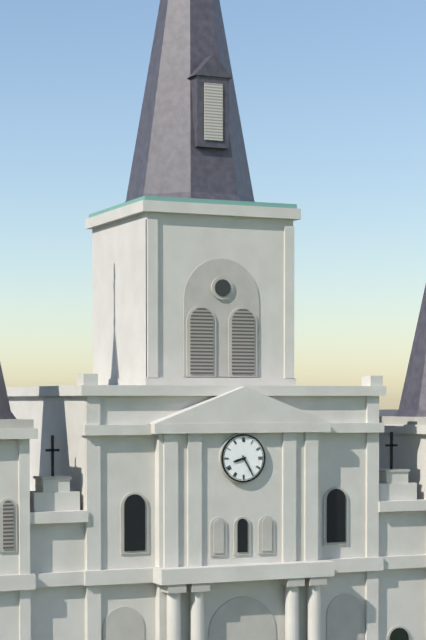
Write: 8h25
